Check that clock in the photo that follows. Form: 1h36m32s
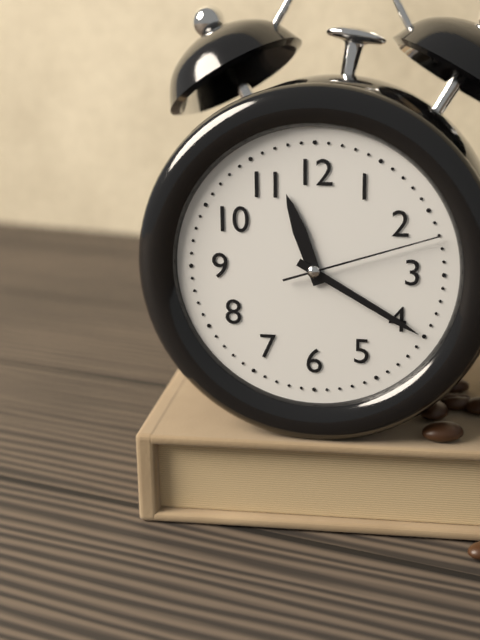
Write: 11h20m12s
